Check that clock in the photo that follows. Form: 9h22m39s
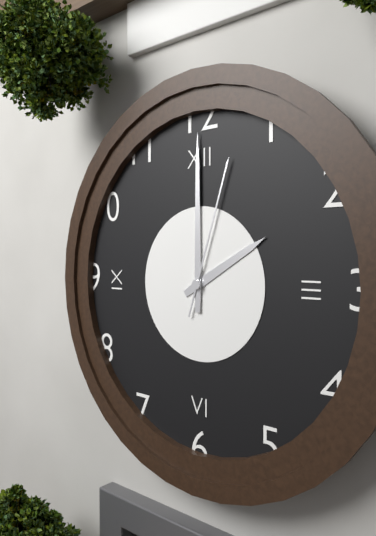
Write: 2h00m03s
